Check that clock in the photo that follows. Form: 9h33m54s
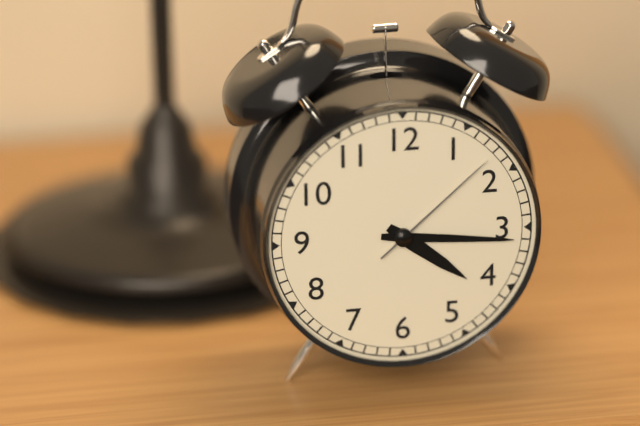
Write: 4h16m08s
